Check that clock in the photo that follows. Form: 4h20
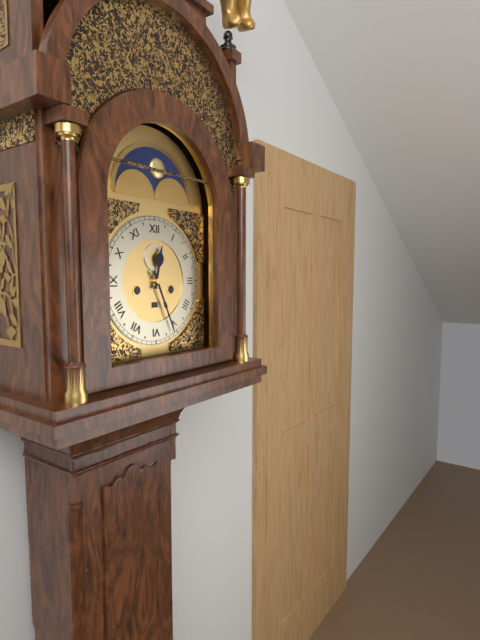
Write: 12h26
